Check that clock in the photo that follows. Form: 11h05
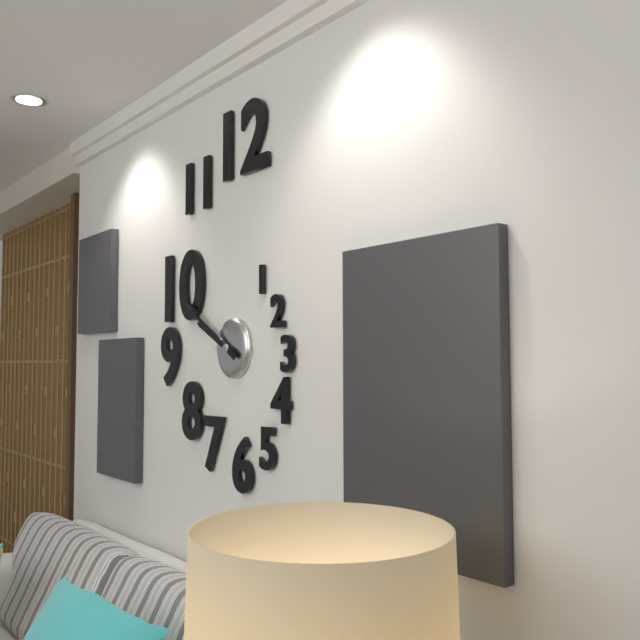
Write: 9h50
